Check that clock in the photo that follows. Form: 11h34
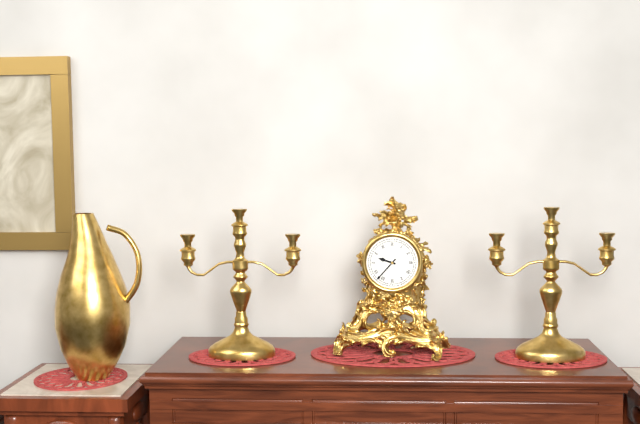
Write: 9h37
